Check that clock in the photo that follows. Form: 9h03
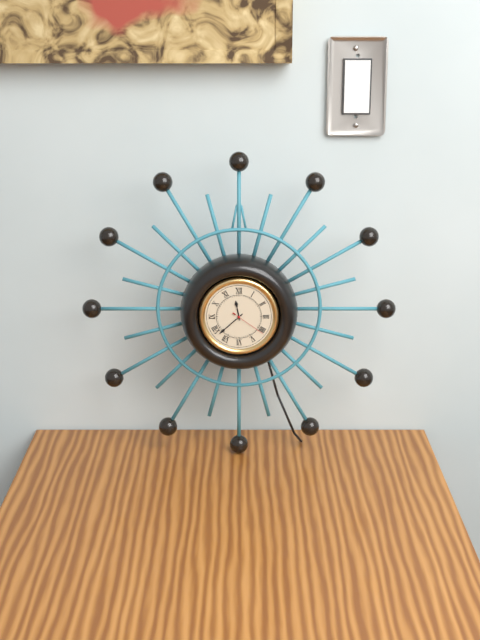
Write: 11h38
